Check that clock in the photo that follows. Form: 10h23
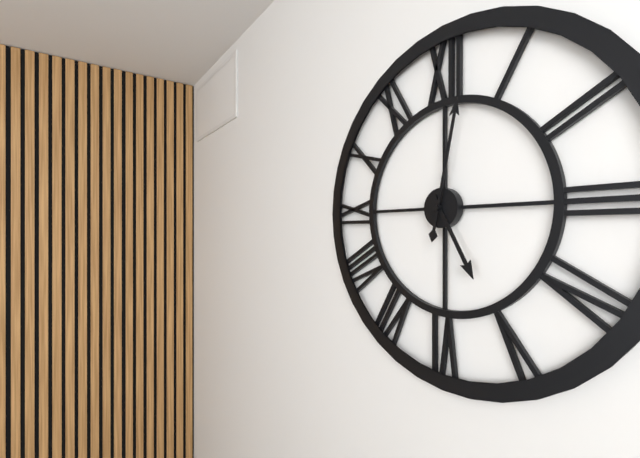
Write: 5h02
